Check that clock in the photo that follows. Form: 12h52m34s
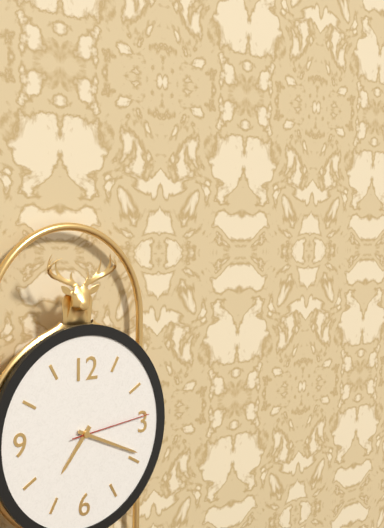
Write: 7h19m14s
